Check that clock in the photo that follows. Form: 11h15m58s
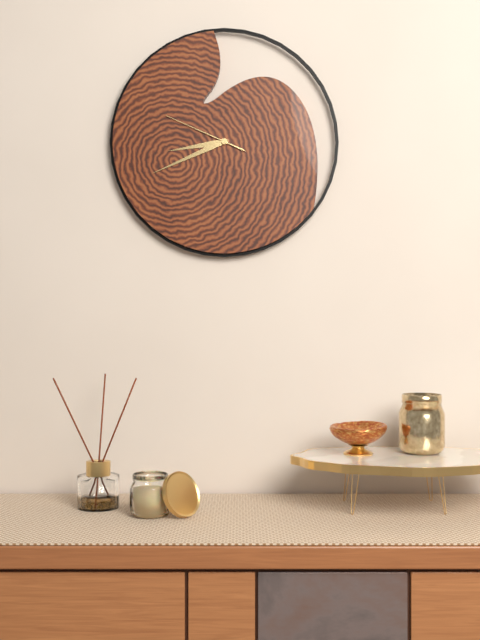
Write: 8h41m49s
